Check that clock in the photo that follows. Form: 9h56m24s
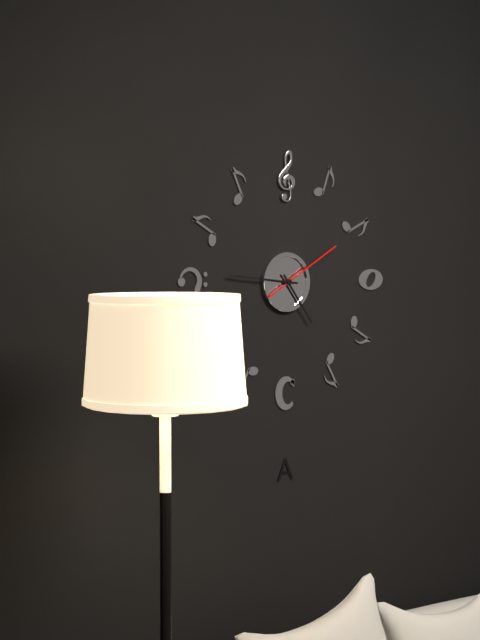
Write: 4h46m10s
